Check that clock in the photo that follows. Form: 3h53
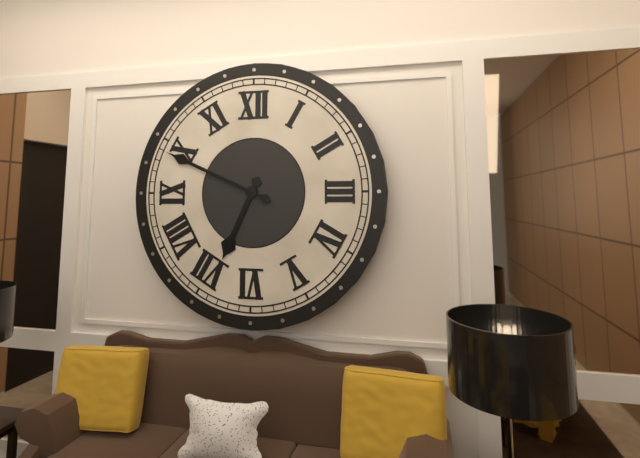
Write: 6h49
